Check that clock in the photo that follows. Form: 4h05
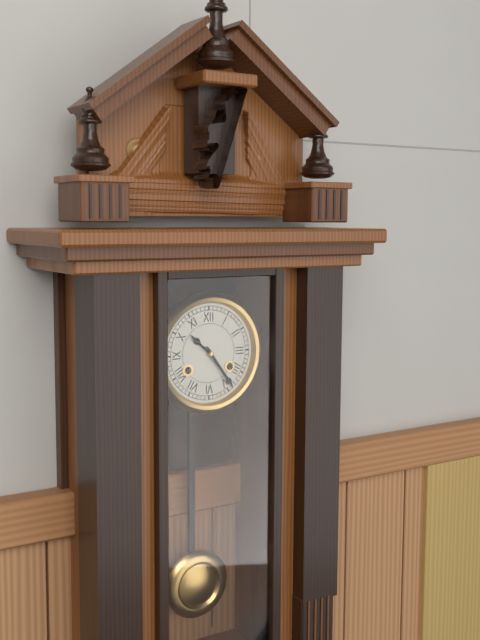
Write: 10h24
